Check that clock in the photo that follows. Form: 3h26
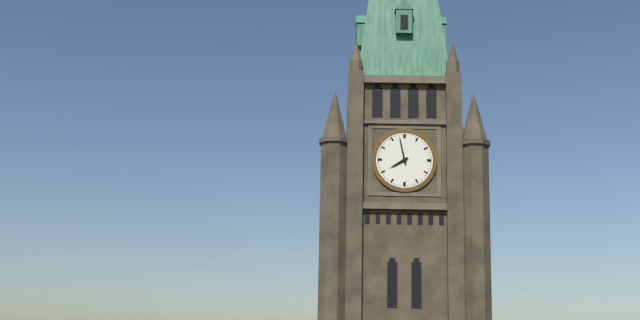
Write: 7h58
